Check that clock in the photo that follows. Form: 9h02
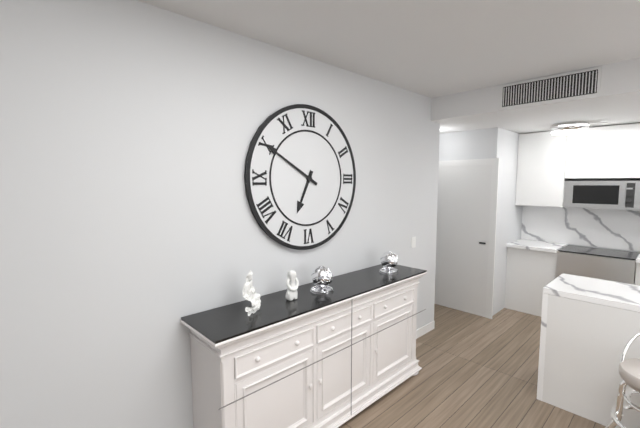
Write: 6h50
